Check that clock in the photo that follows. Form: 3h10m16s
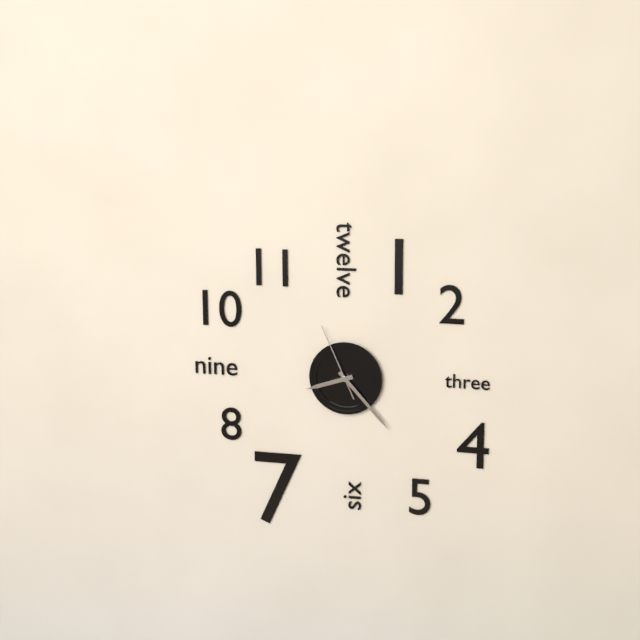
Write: 8h23m56s
